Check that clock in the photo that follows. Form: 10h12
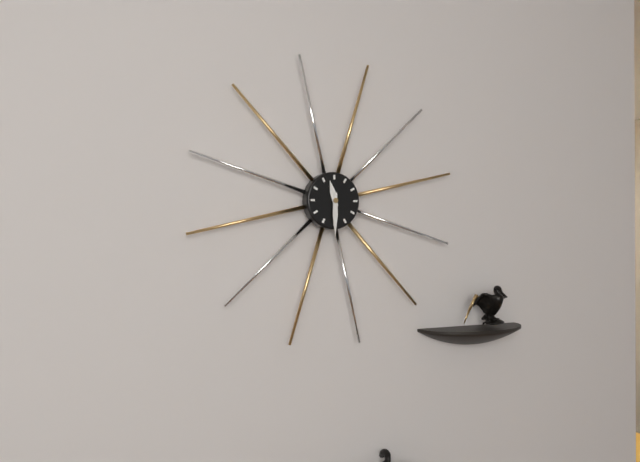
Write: 11h30
